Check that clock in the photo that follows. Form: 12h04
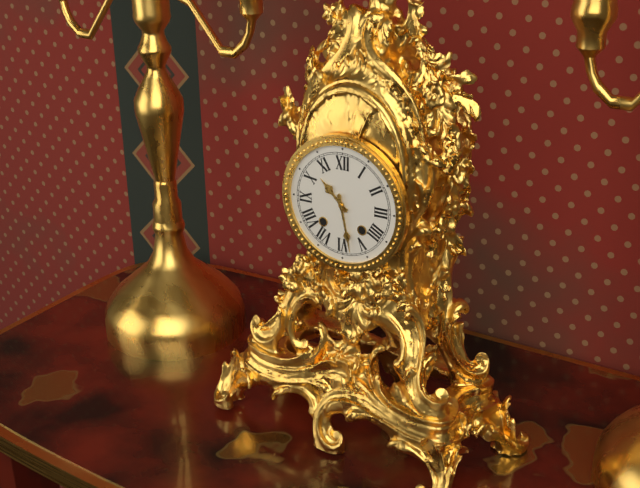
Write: 10h28
